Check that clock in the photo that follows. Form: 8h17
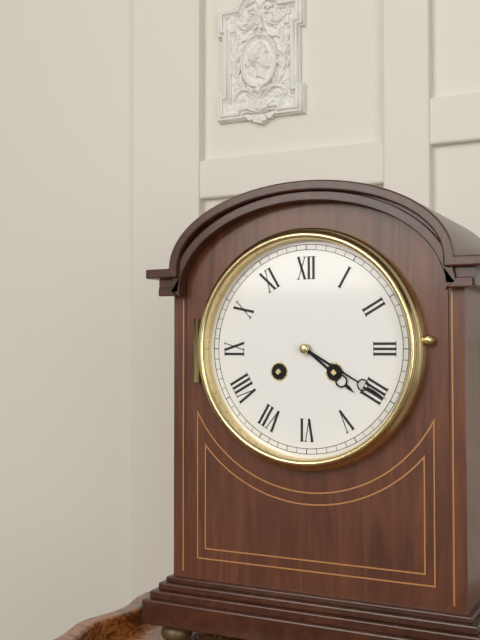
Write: 4h20
